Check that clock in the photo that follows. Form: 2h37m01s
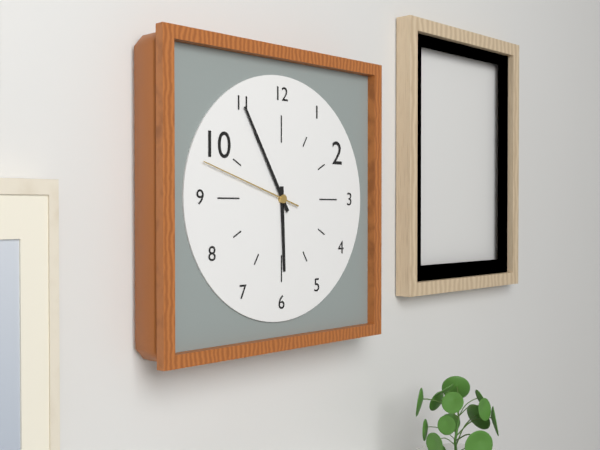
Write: 5h55m48s
